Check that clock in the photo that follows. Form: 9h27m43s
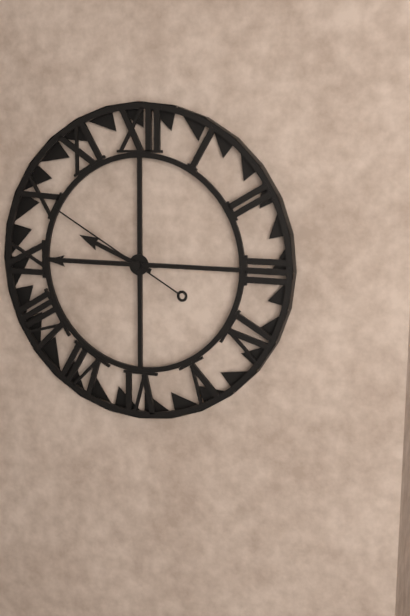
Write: 9h45m50s
